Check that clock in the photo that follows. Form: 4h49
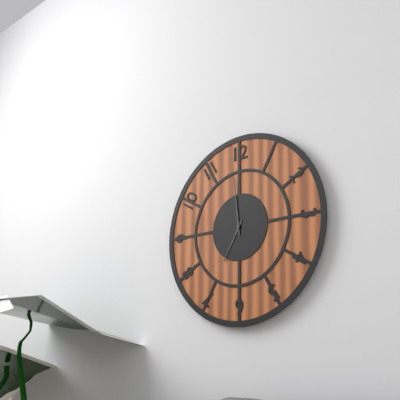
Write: 6h59
